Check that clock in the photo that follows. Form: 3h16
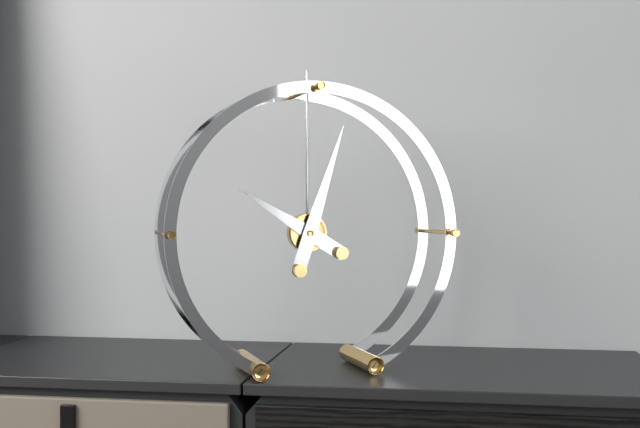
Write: 10h03
